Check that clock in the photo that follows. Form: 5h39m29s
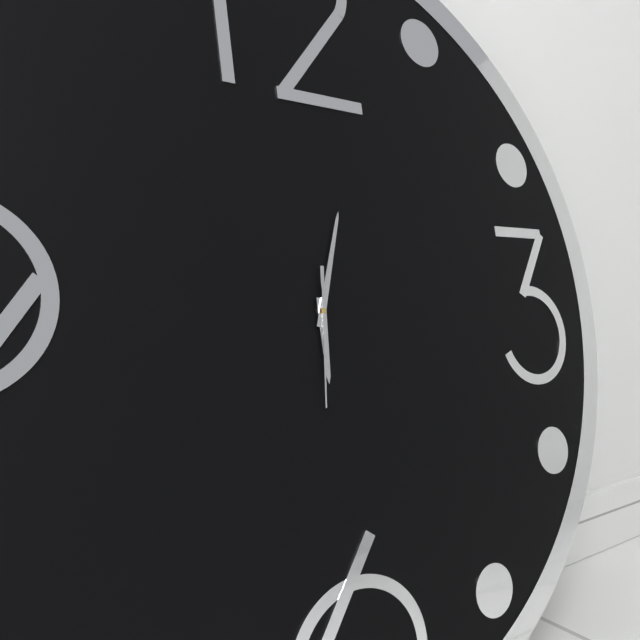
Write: 6h03m31s
